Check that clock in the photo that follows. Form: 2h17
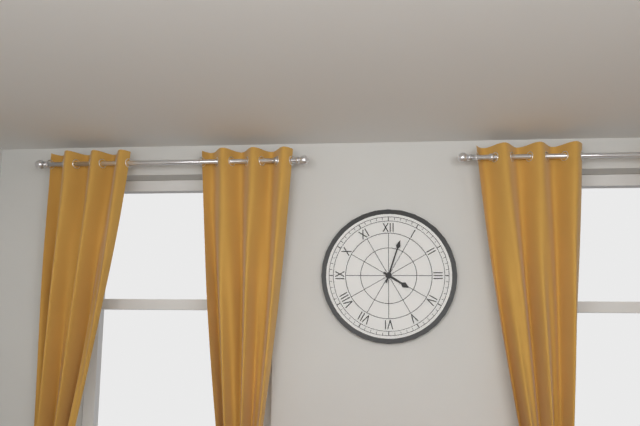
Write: 4h03
